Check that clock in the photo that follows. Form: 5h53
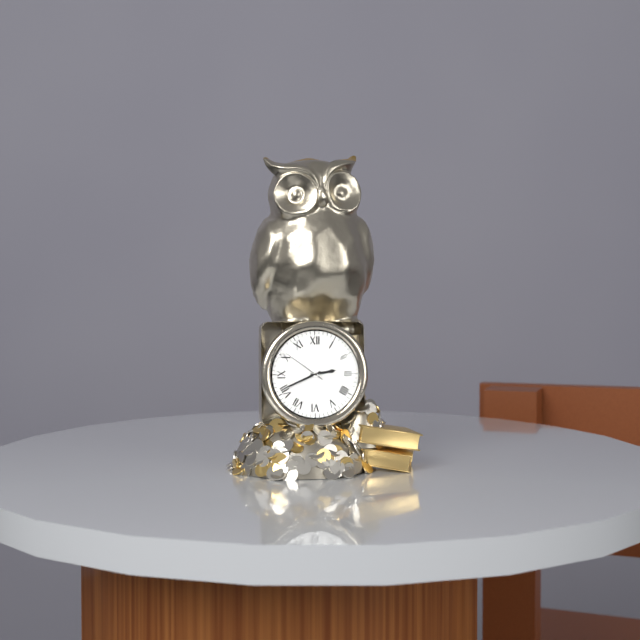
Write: 2h41
